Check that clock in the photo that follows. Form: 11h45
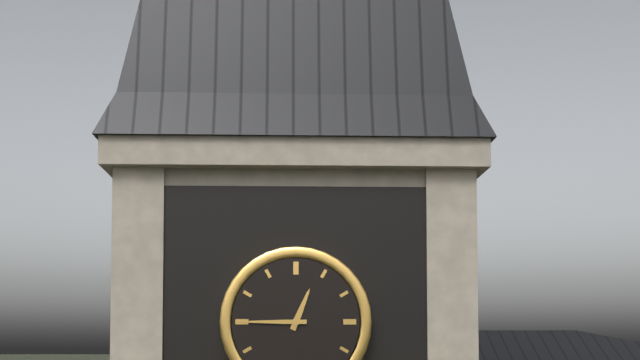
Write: 12h45
